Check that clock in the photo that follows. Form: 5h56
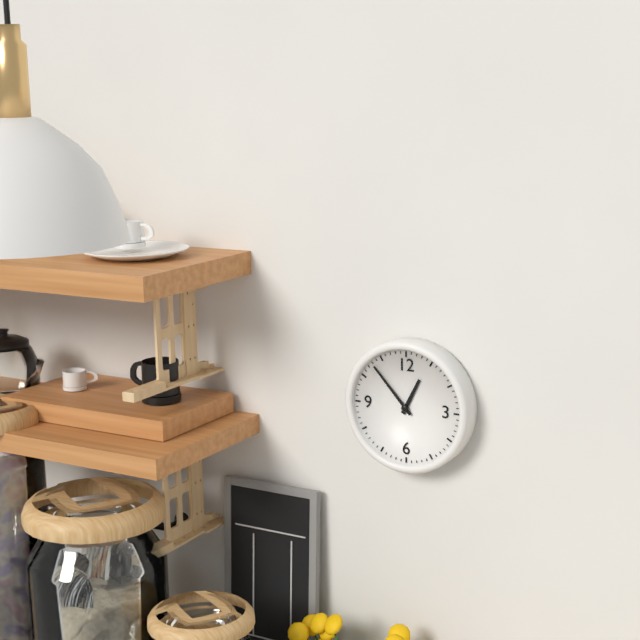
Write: 12h53
